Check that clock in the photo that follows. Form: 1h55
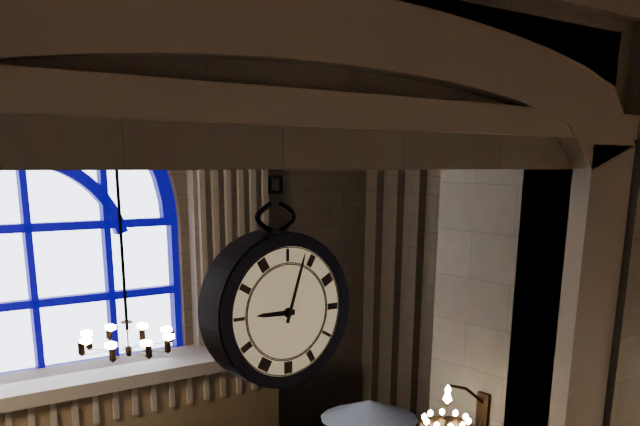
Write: 9h03
